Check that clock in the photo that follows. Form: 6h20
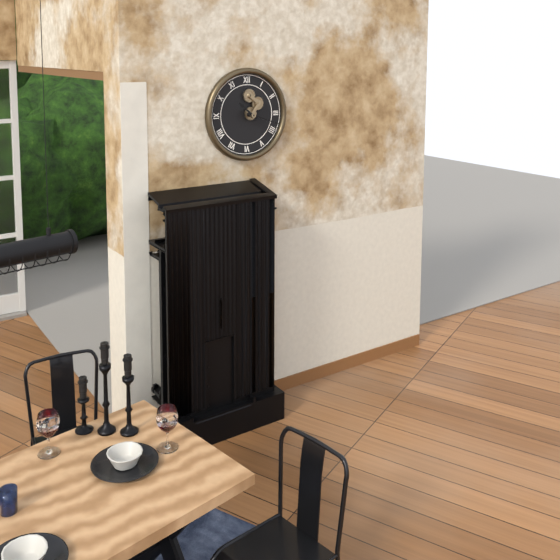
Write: 10h18
